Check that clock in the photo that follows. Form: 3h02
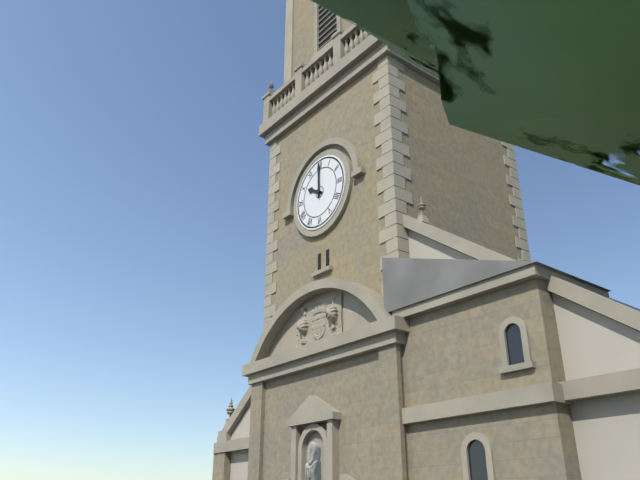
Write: 10h00
